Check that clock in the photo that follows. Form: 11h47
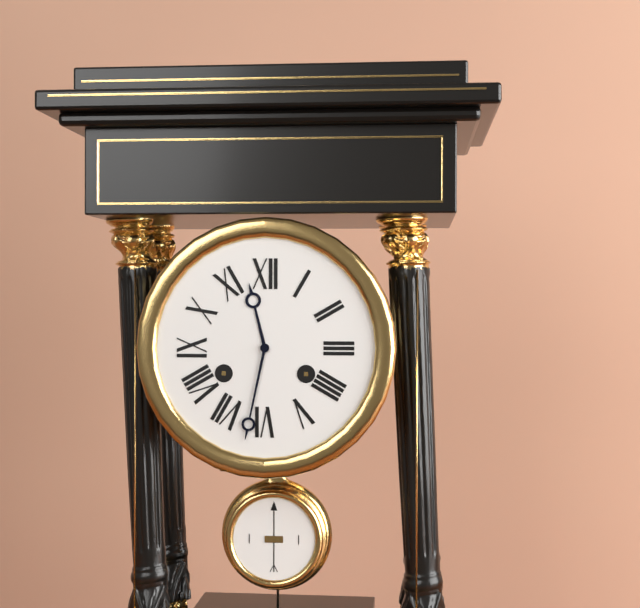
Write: 11h32
